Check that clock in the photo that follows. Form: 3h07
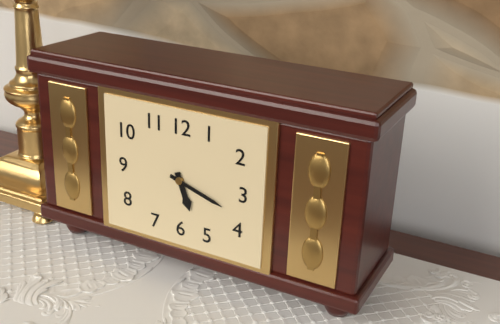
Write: 5h18
